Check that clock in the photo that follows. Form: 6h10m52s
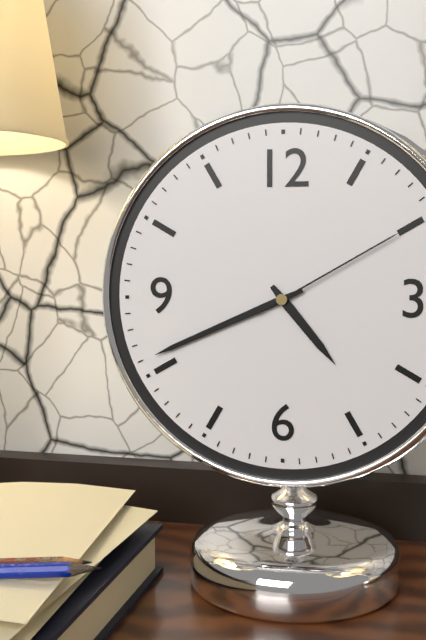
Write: 4h41m10s
